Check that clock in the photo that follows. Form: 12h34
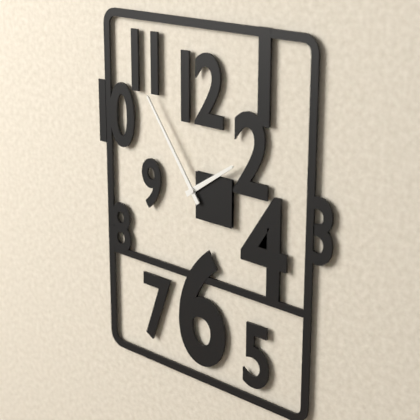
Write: 1h54
